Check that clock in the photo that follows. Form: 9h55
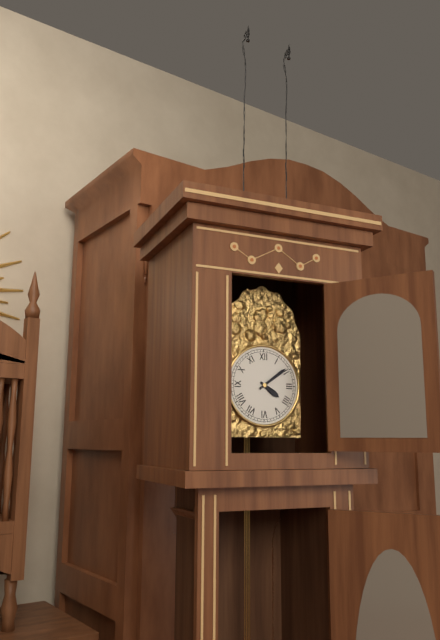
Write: 4h09
